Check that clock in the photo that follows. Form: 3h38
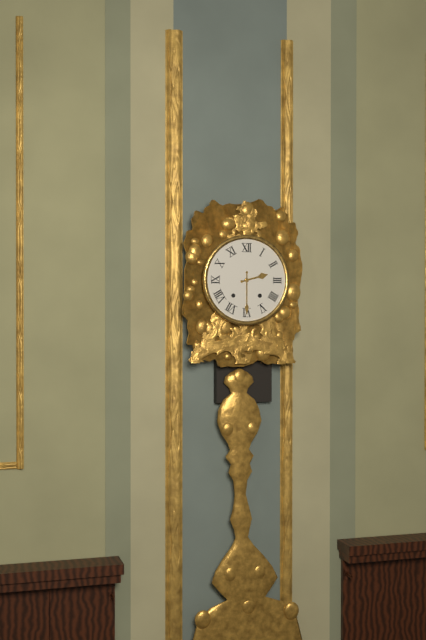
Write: 2h30
